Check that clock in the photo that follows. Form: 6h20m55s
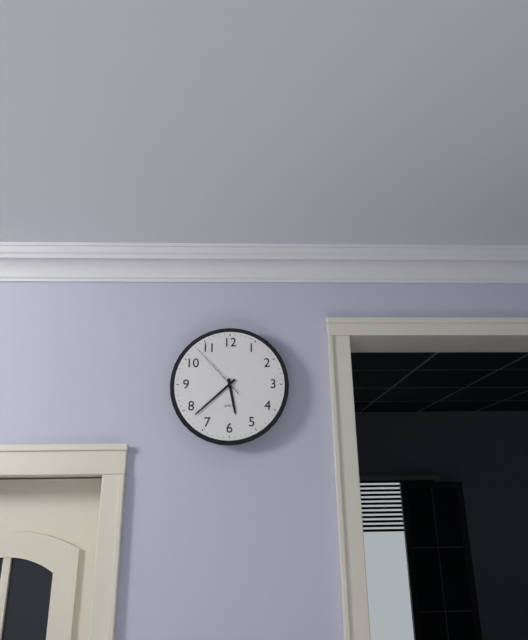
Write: 5h38m53s
